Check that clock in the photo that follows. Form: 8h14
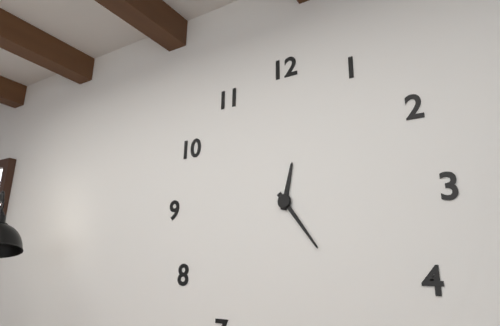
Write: 12h24
